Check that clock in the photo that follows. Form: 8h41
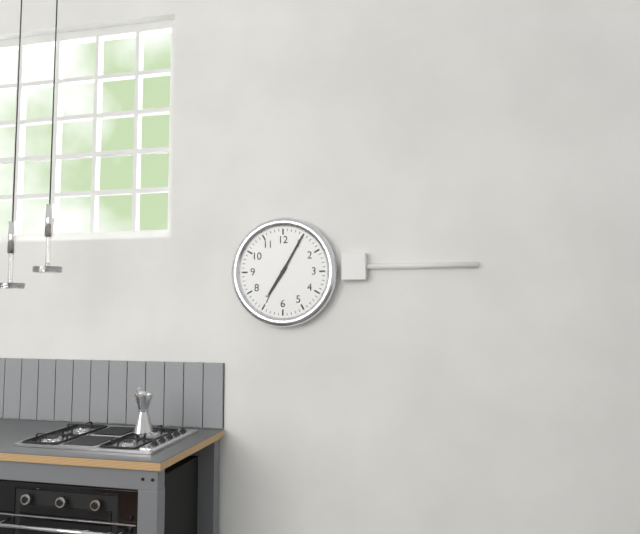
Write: 7h05
